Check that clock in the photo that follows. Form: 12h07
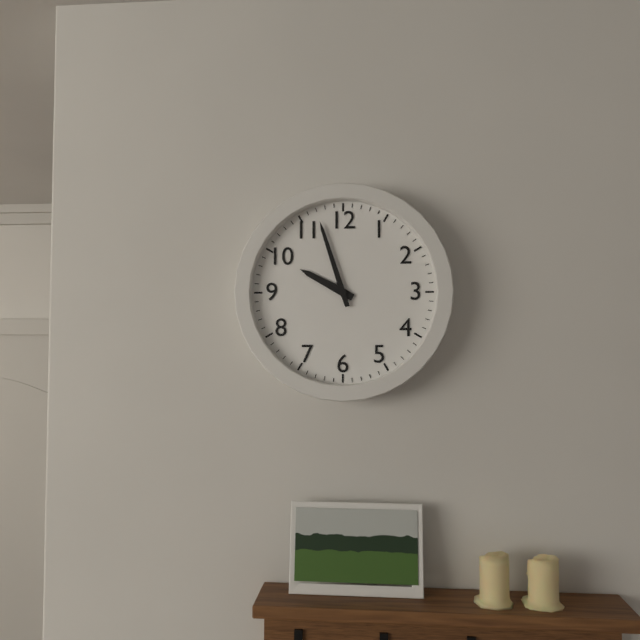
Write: 9h57
